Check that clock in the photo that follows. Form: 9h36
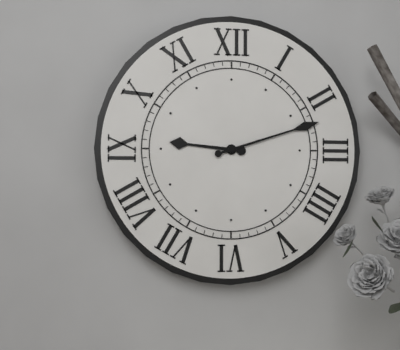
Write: 9h12
